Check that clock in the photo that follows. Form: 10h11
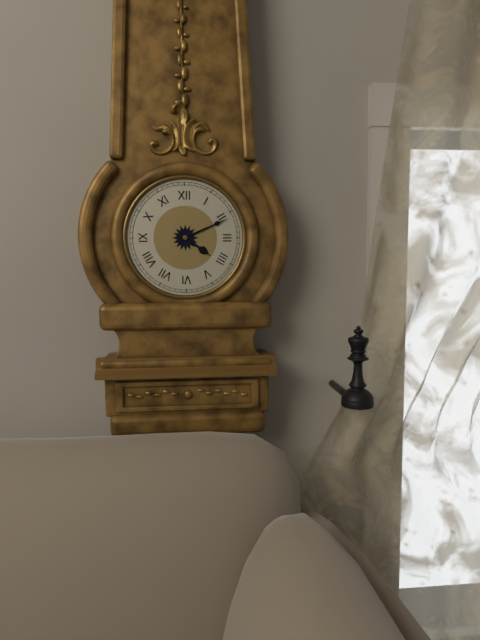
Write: 4h11
